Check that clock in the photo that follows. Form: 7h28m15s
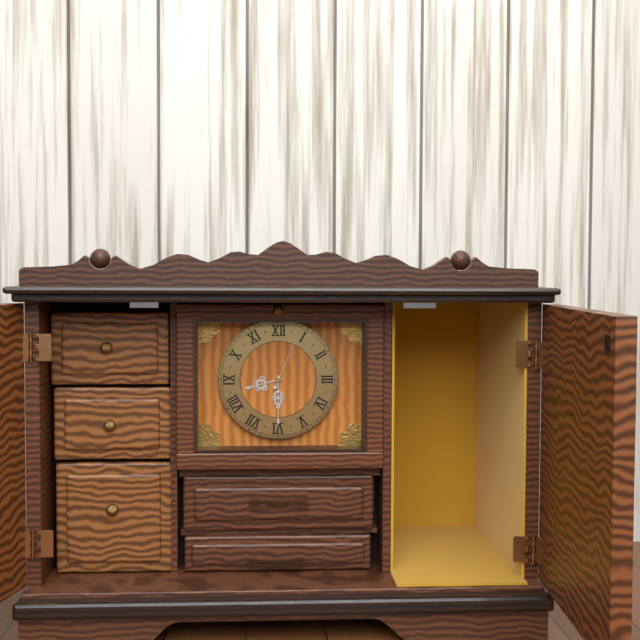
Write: 8h30m04s
